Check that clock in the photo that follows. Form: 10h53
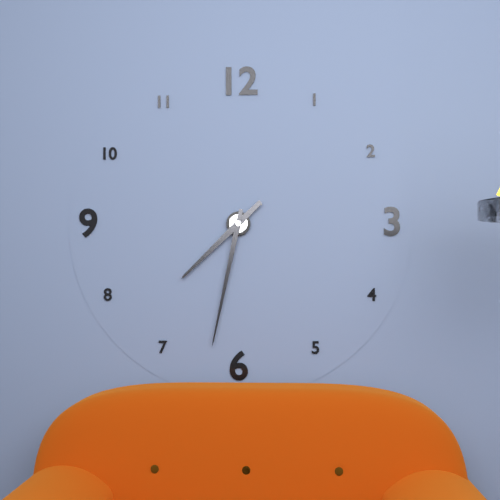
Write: 7h32
